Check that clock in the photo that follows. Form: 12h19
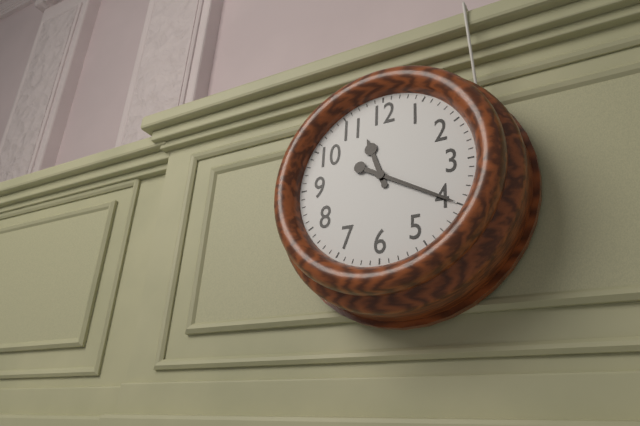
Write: 11h20
